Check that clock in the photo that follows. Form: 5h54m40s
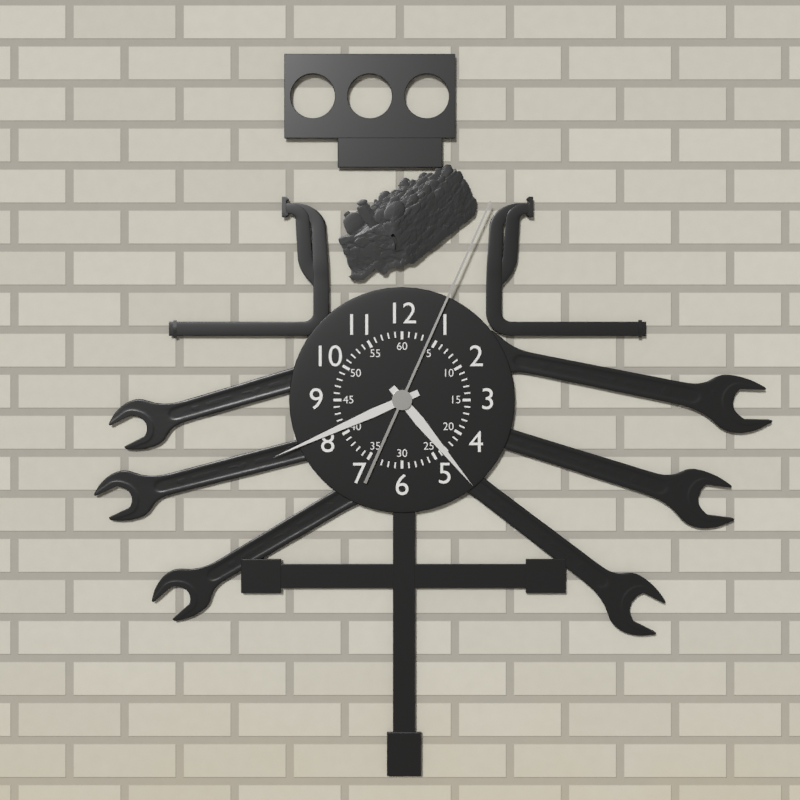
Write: 4h41m04s
